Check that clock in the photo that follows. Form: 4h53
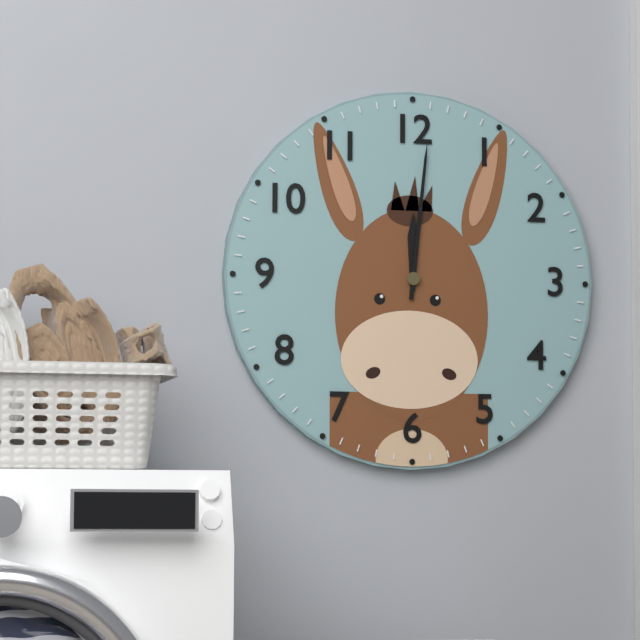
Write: 12h01
